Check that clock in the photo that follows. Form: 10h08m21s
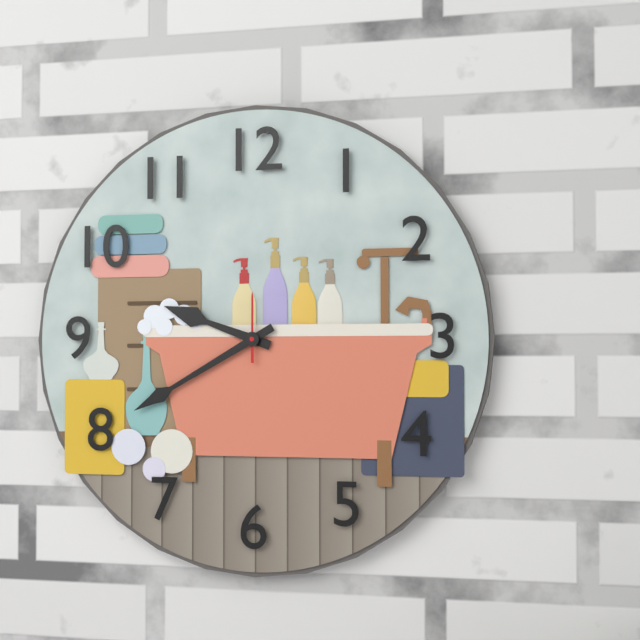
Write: 9h40m00s
